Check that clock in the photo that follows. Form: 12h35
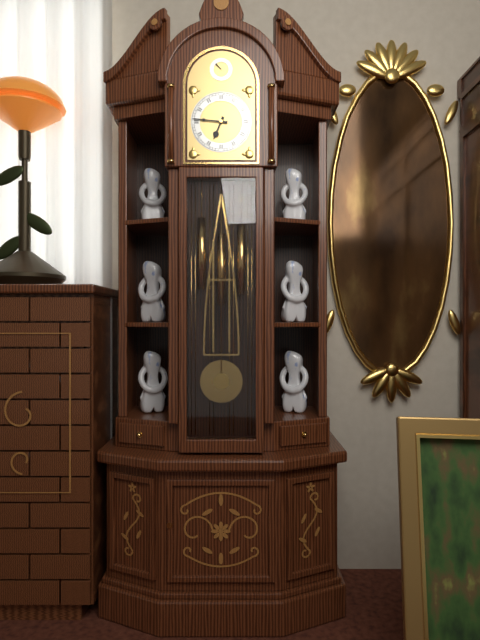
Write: 6h46
